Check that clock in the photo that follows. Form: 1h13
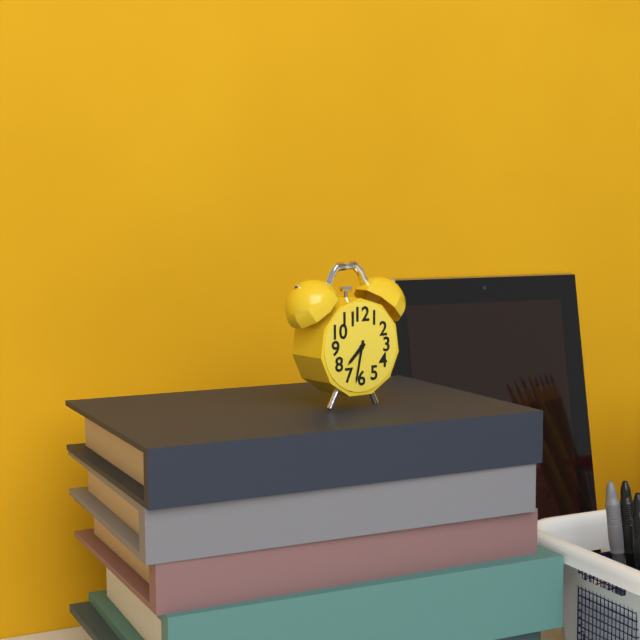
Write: 7h32
